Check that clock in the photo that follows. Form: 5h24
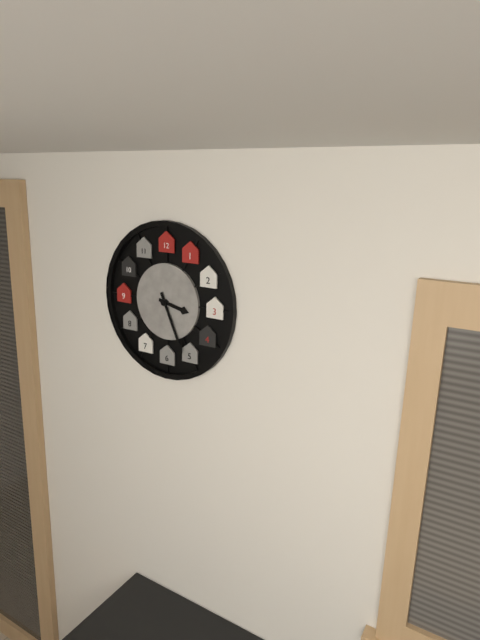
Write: 3h26
